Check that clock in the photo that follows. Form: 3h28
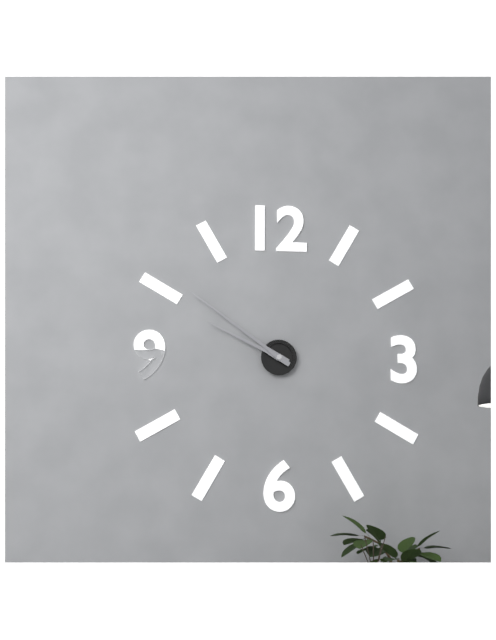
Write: 9h51
